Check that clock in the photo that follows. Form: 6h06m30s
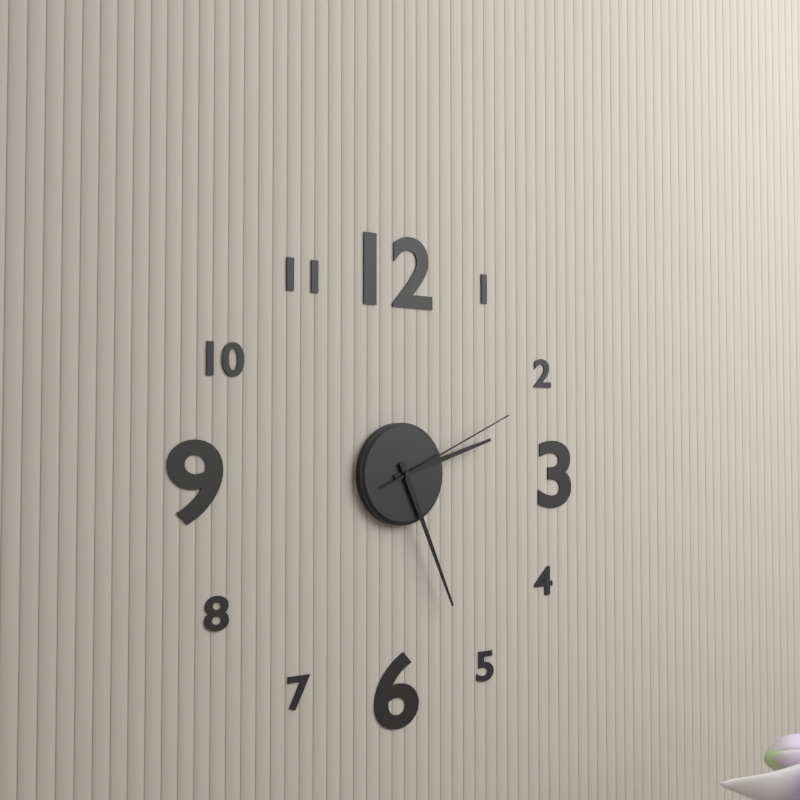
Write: 2h26m11s
